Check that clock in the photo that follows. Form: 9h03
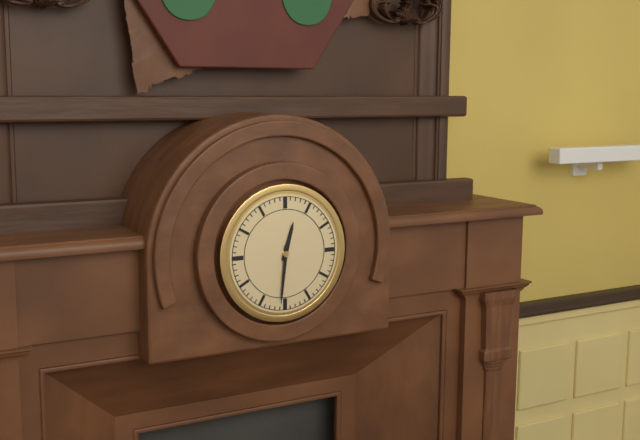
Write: 12h31
